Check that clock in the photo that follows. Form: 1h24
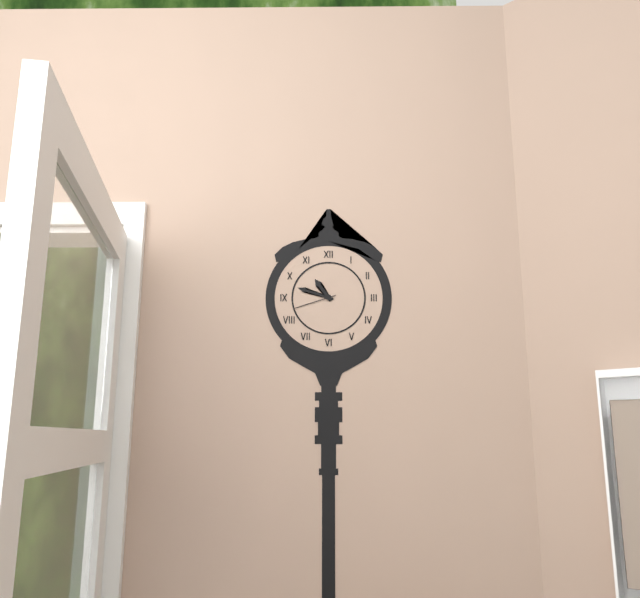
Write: 10h48
